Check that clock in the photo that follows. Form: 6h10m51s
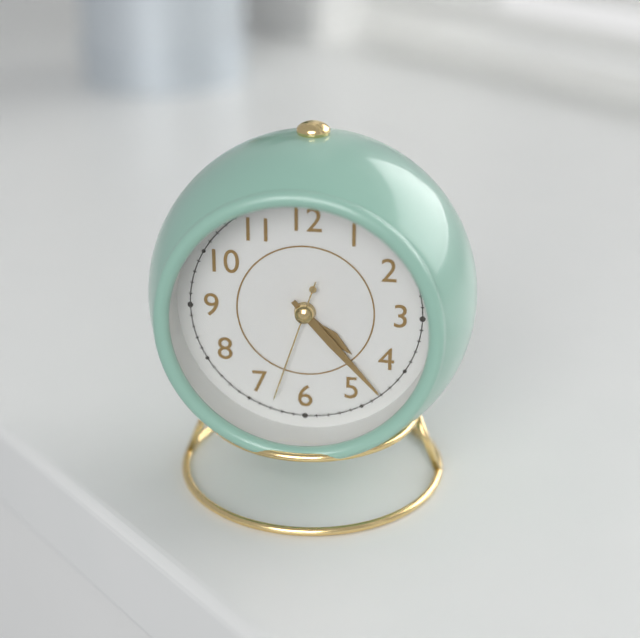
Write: 4h23m33s
